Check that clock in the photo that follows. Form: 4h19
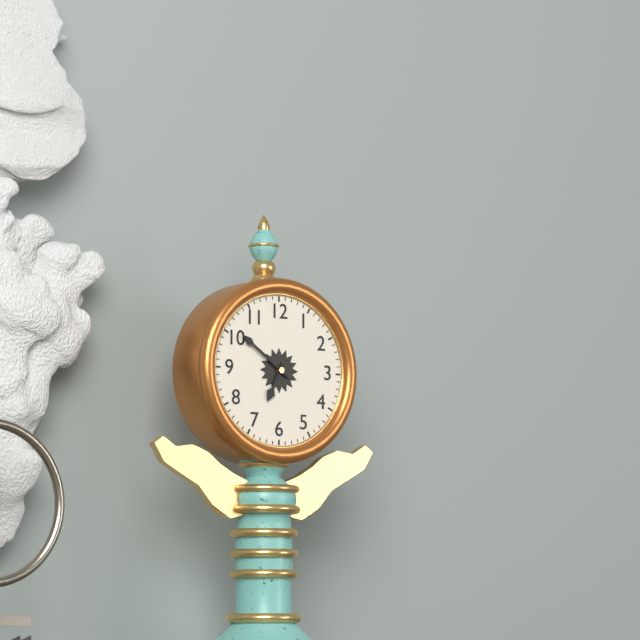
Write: 6h51
